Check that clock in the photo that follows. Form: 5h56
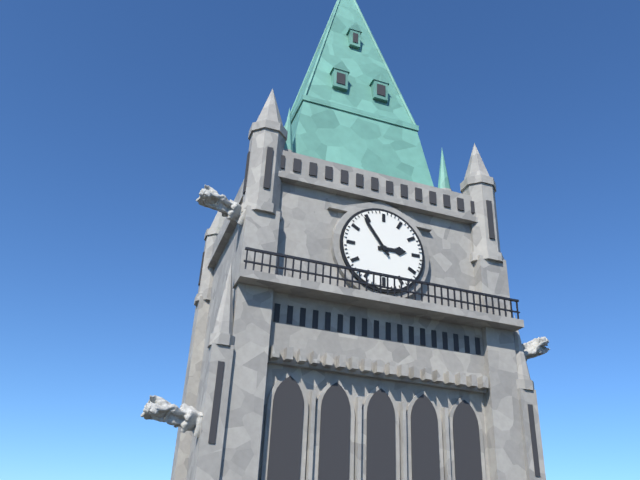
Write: 2h54
